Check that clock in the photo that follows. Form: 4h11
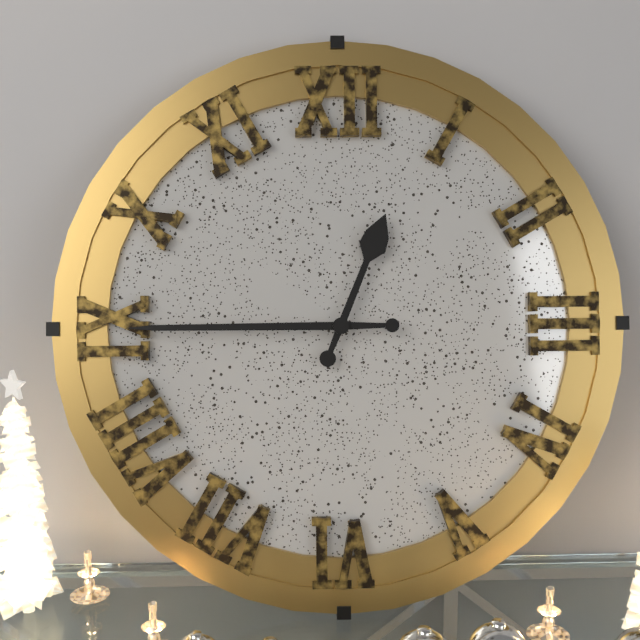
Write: 12h45
